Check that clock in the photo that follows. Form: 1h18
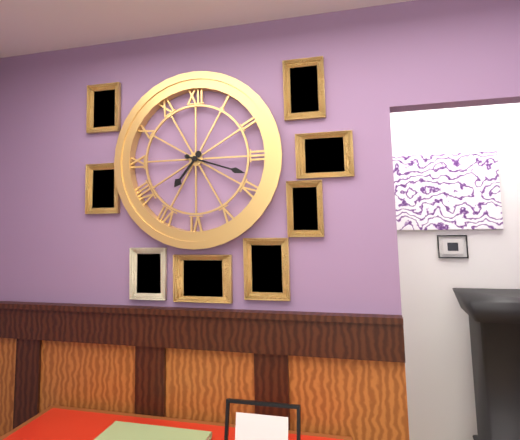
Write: 7h18
